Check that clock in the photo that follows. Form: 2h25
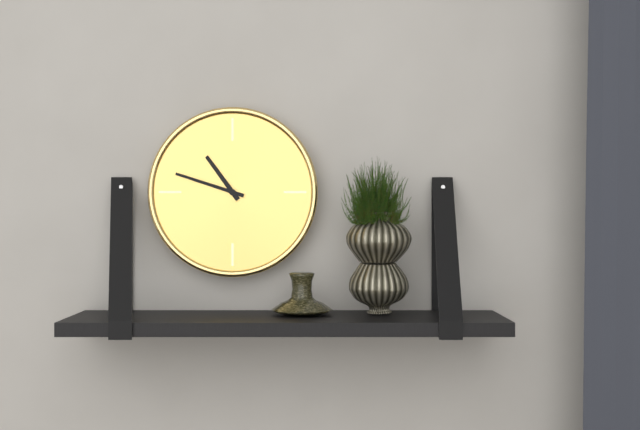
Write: 10h48
